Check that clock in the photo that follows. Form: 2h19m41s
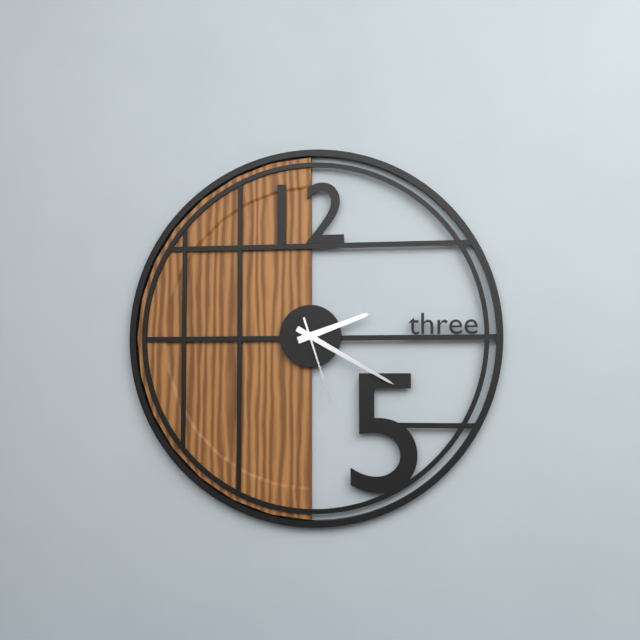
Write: 2h20m27s
